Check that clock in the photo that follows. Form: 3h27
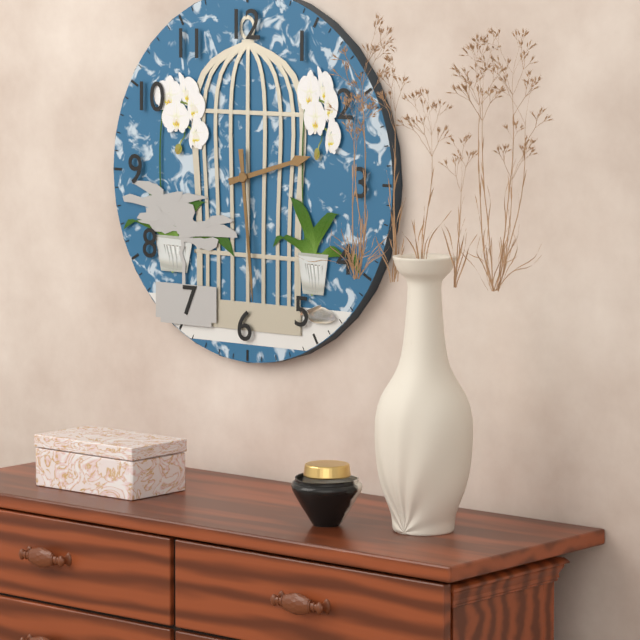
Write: 2h29
